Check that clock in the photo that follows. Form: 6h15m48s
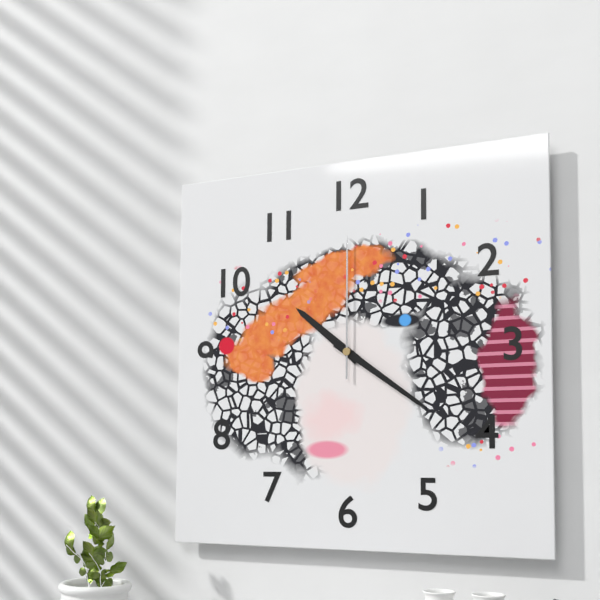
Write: 10h21m00s
